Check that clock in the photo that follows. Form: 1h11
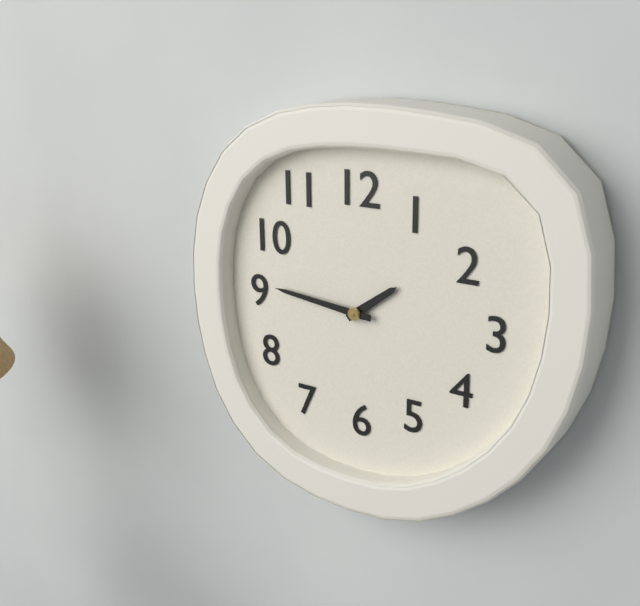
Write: 1h46
